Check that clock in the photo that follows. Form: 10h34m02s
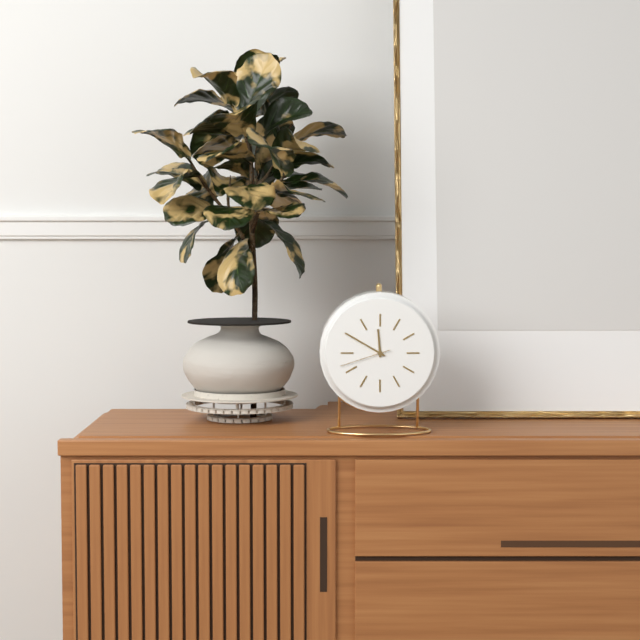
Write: 11h50m42s
